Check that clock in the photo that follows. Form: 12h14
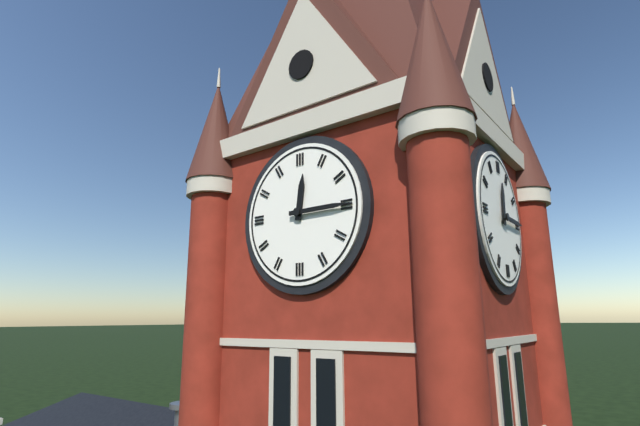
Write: 12h15
